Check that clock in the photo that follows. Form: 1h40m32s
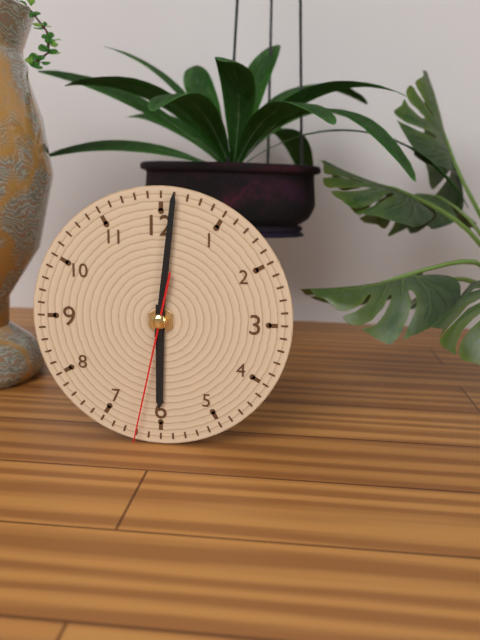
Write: 6h01m32s
